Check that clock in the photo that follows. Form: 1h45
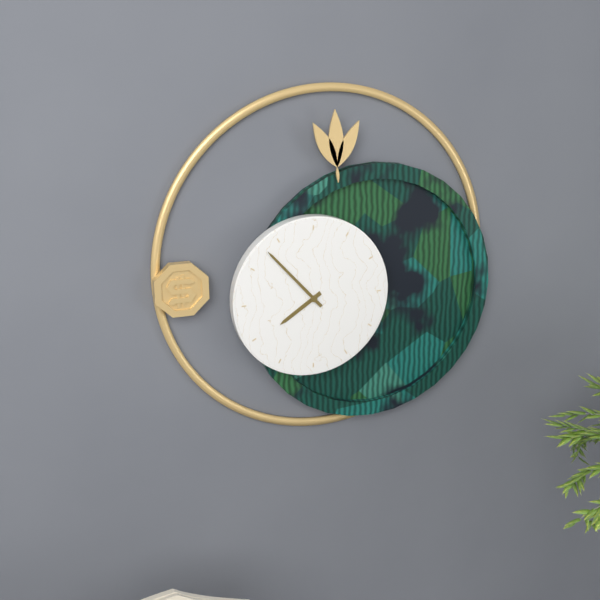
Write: 7h53
